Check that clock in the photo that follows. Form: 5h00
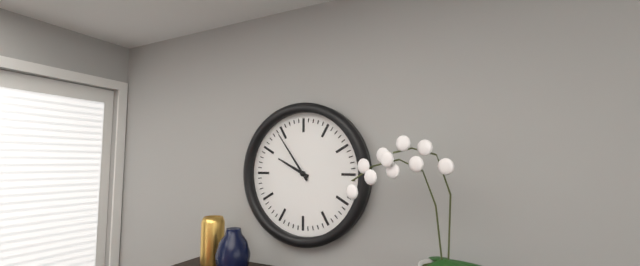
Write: 9h54
